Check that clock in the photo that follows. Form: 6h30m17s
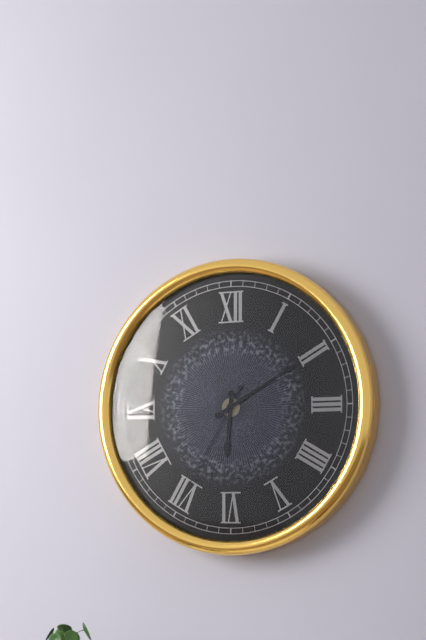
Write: 6h10m35s
